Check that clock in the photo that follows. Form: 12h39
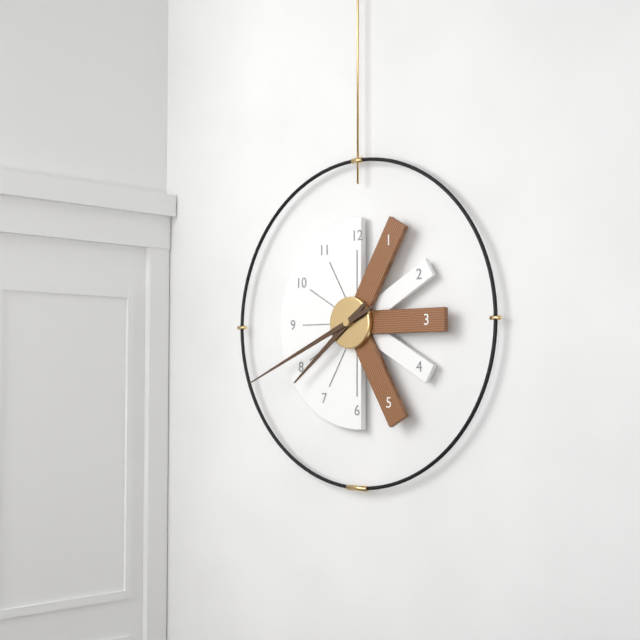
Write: 7h41
